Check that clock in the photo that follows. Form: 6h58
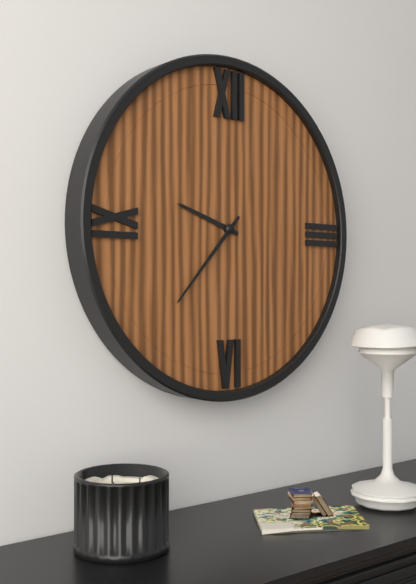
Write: 9h37
